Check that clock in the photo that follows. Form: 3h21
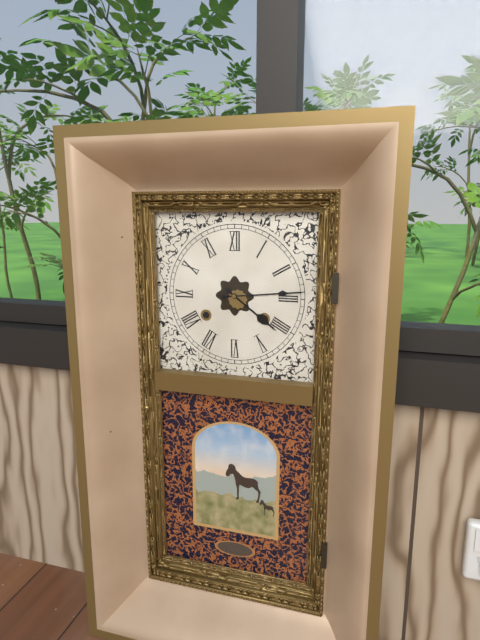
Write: 4h14
